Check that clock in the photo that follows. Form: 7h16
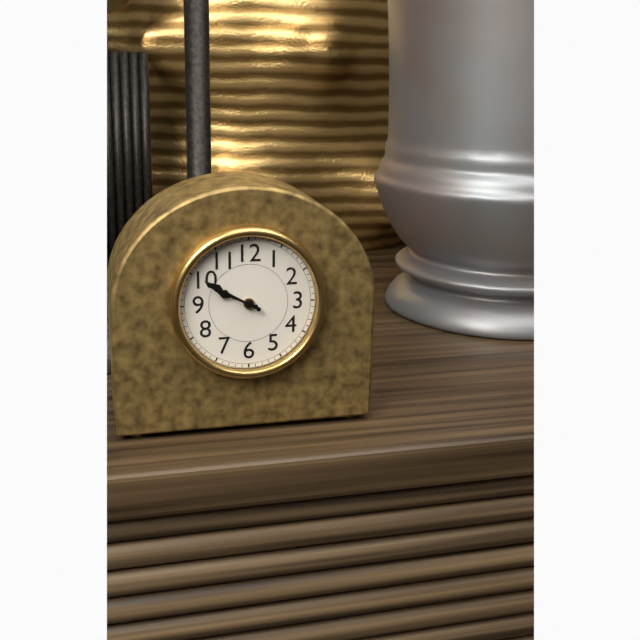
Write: 9h50
